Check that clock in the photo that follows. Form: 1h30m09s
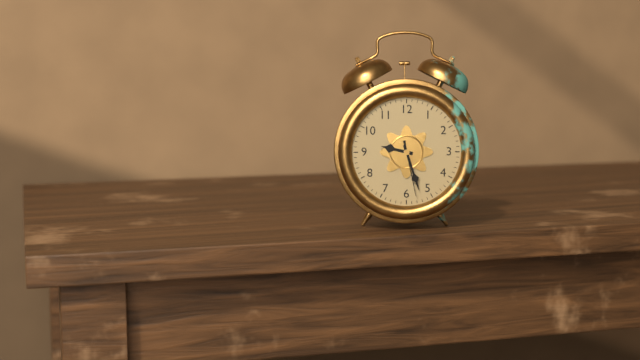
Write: 9h27m28s
